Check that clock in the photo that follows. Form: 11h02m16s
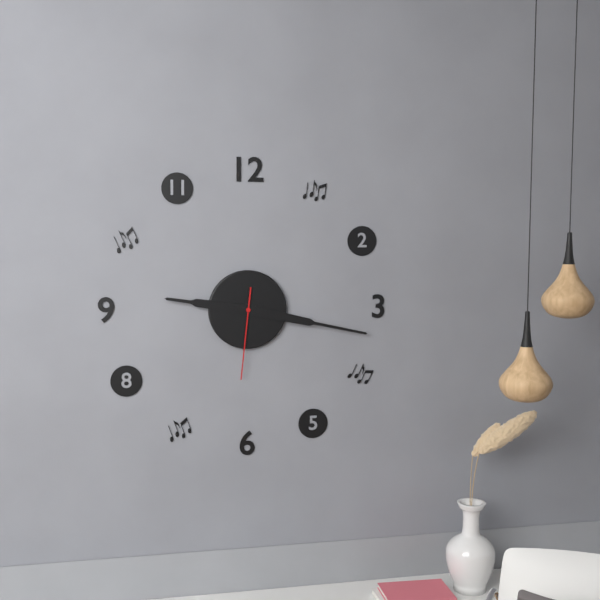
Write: 9h17m31s
